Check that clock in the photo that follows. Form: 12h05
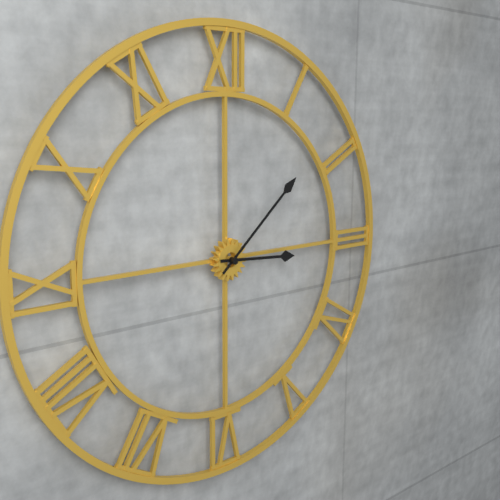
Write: 3h08
